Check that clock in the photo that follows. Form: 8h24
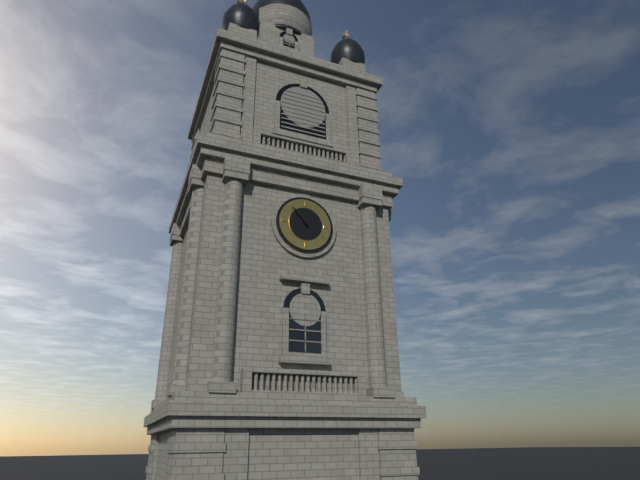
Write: 10h53
